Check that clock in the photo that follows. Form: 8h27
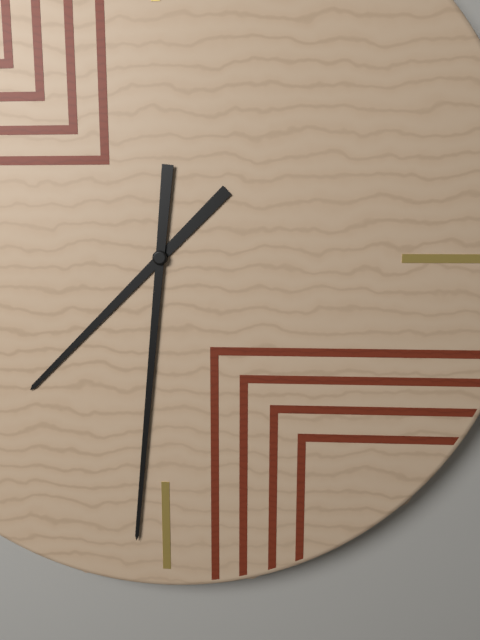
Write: 7h31
